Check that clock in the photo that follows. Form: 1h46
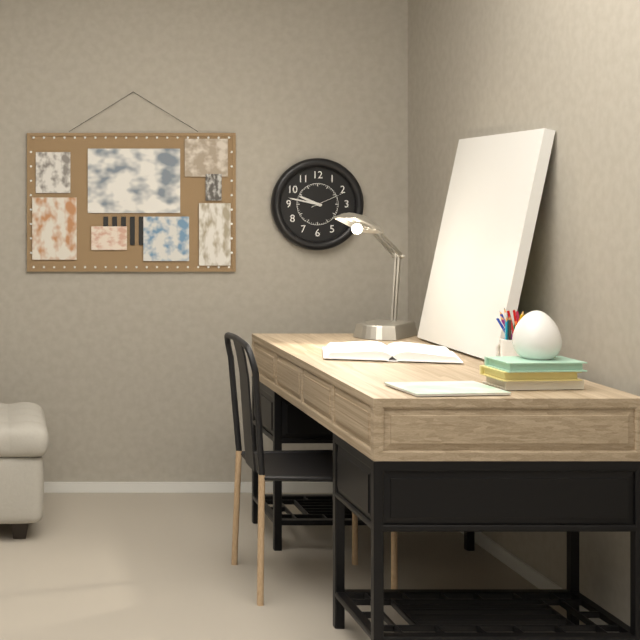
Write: 9h47
